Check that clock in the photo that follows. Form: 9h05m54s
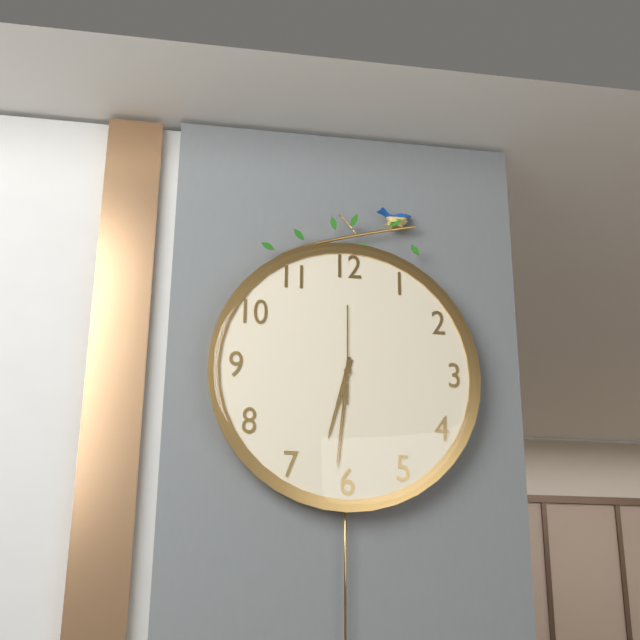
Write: 6h31m00s
